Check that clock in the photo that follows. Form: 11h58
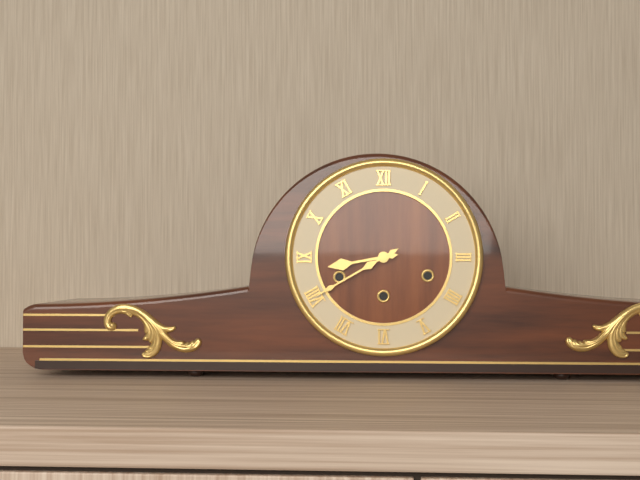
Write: 8h40
